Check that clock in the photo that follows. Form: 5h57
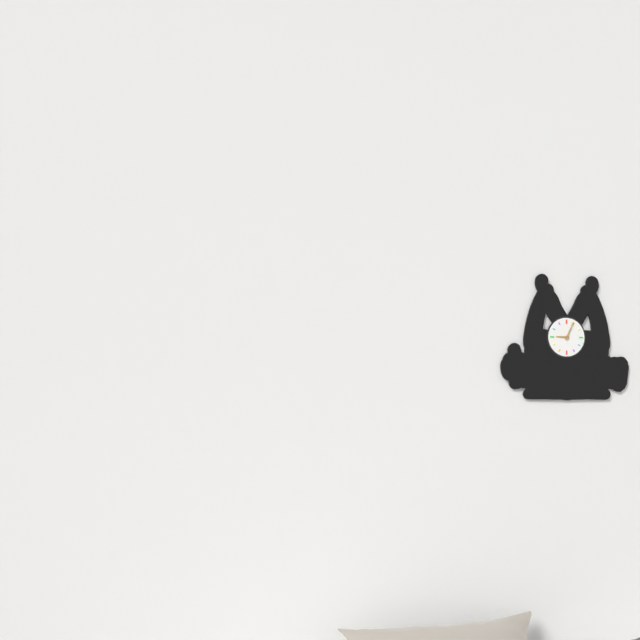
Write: 9h04
